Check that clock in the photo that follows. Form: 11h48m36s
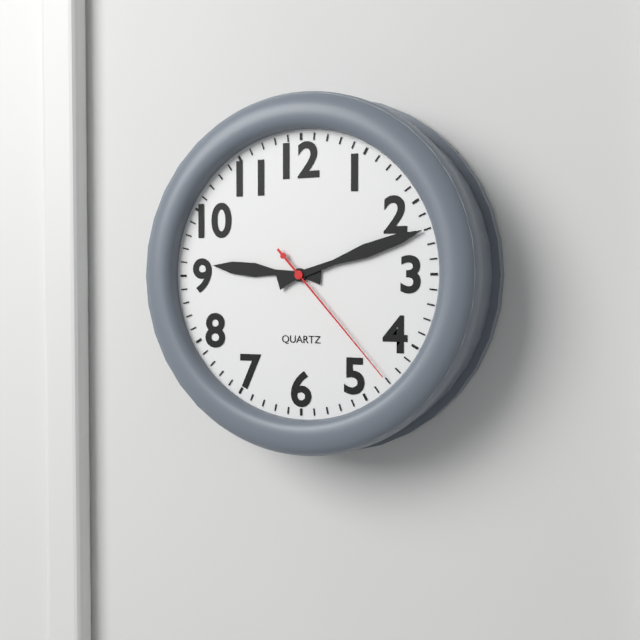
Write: 9h12m23s
